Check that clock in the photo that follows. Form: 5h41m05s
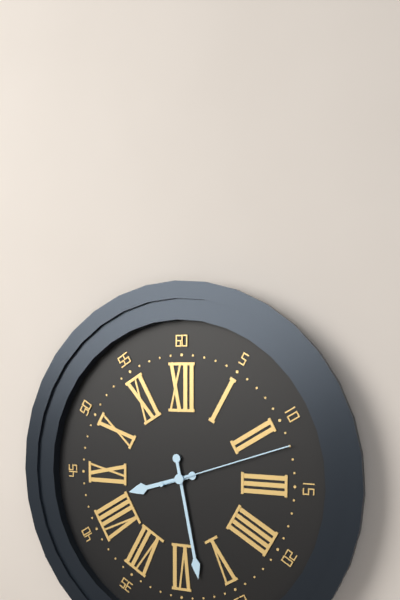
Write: 8h28m12s
